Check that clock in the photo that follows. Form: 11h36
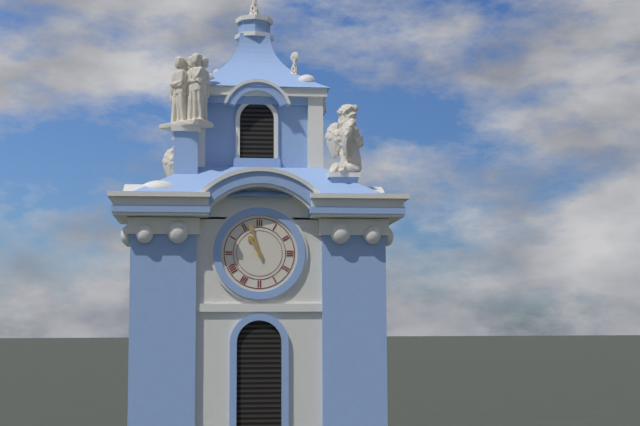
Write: 10h57
